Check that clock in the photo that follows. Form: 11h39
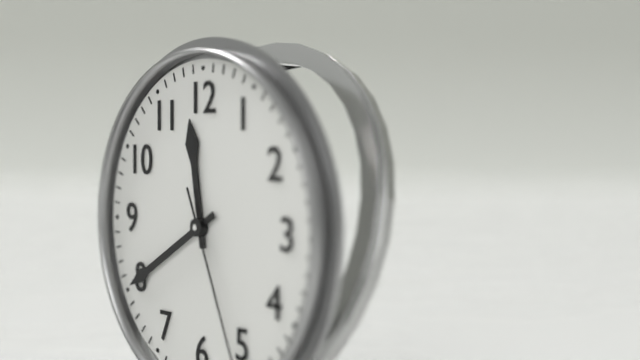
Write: 11h40
